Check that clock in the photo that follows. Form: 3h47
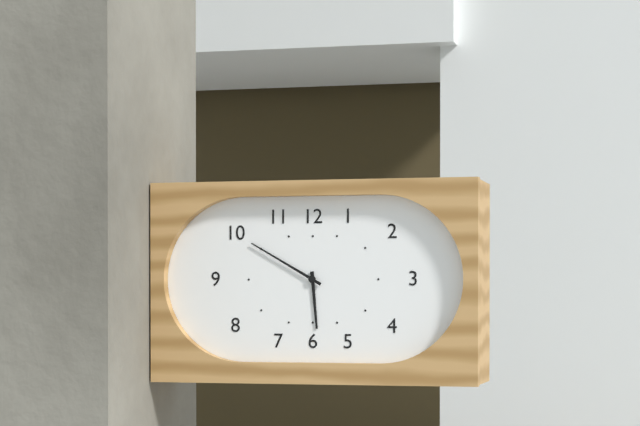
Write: 5h50
